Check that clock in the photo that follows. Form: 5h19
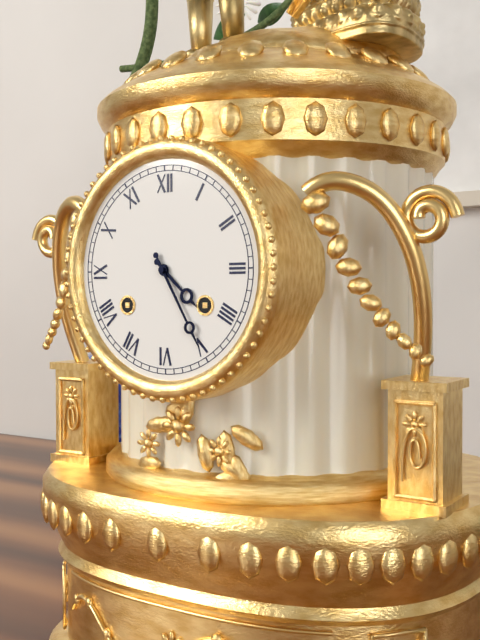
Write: 4h25
